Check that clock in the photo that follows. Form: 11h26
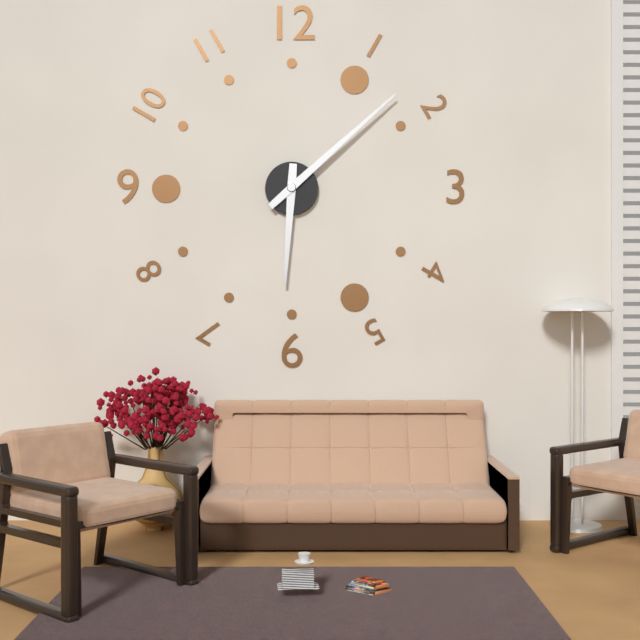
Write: 6h08
